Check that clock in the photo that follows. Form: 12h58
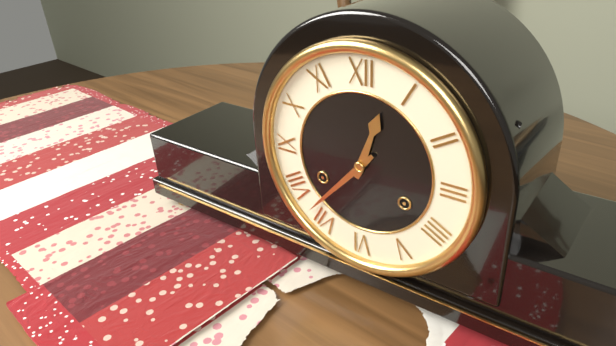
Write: 12h37
